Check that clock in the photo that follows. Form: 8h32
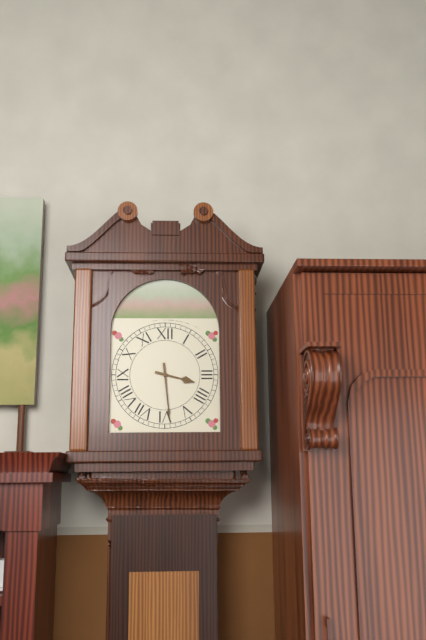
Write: 3h29
